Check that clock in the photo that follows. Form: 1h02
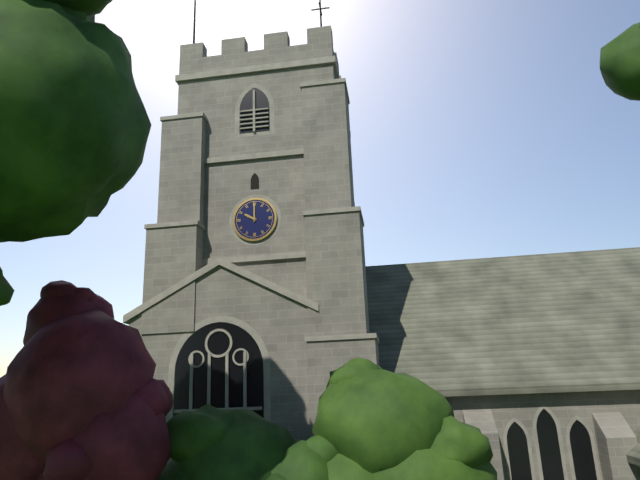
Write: 10h00
